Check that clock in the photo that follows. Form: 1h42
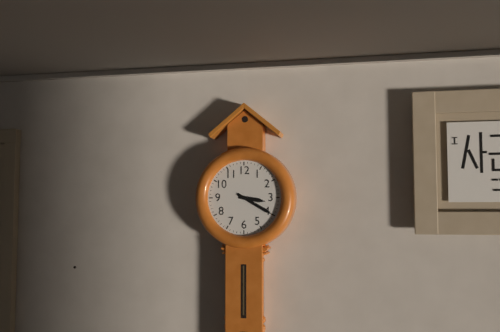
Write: 3h20
